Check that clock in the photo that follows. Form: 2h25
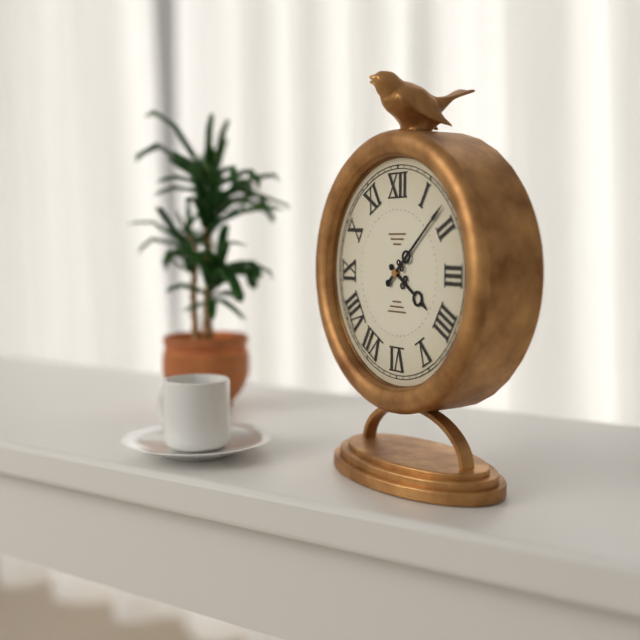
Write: 4h08
